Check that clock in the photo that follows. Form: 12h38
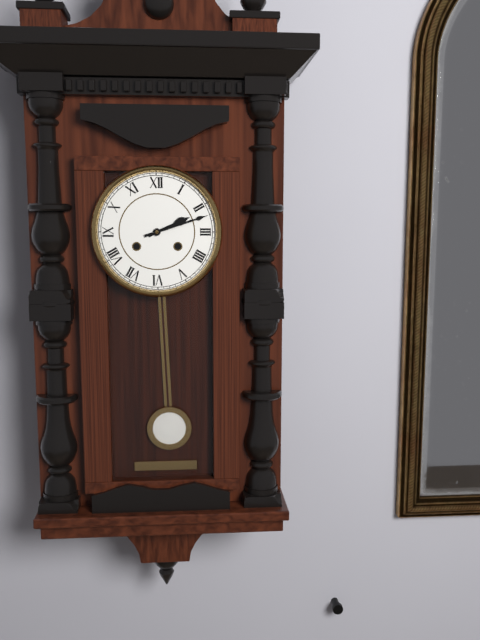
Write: 2h12
